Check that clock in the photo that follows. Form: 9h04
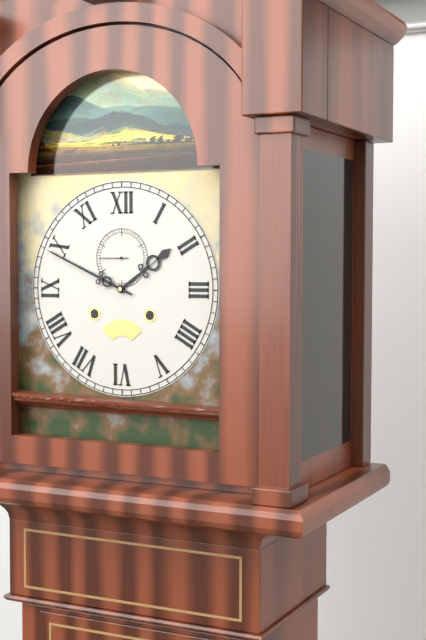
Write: 1h49
